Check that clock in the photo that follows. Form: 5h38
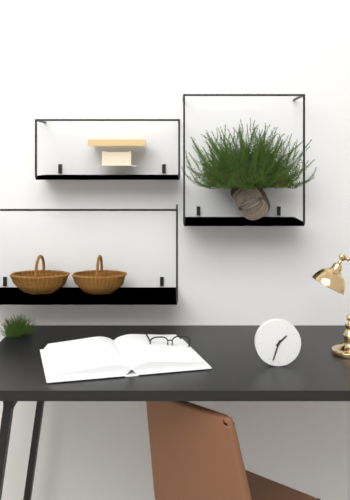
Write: 1h33
